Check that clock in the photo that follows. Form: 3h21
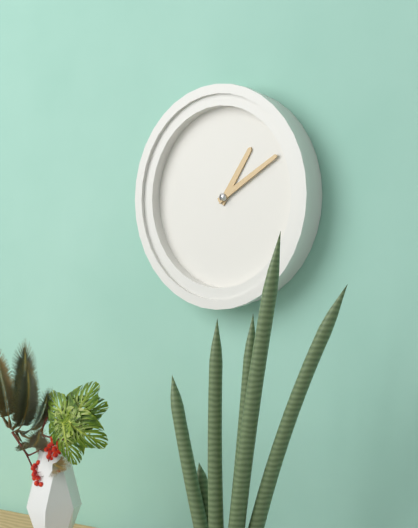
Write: 1h10
